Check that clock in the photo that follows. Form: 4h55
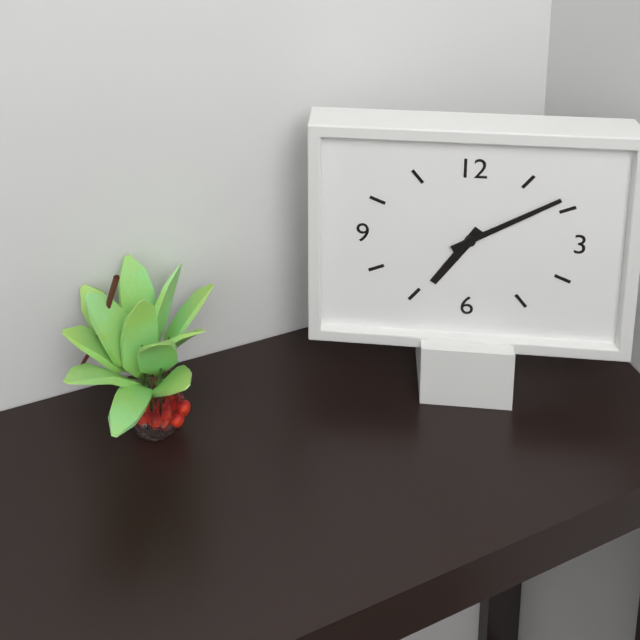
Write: 7h10
